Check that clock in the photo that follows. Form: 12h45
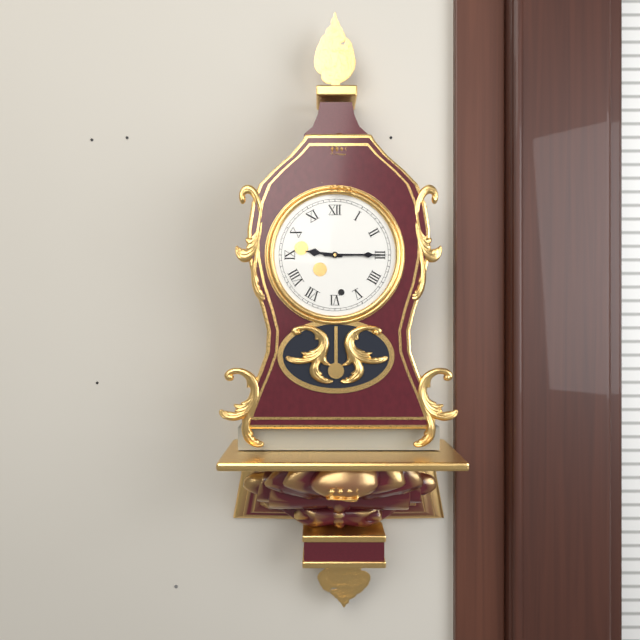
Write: 9h15
